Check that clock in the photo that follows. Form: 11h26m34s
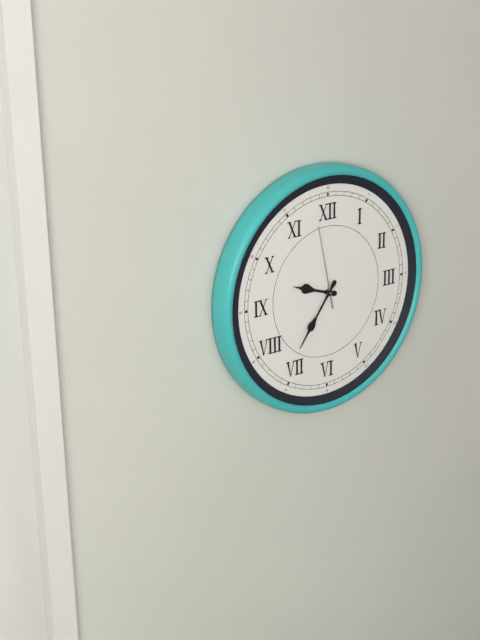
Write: 9h36m58s
